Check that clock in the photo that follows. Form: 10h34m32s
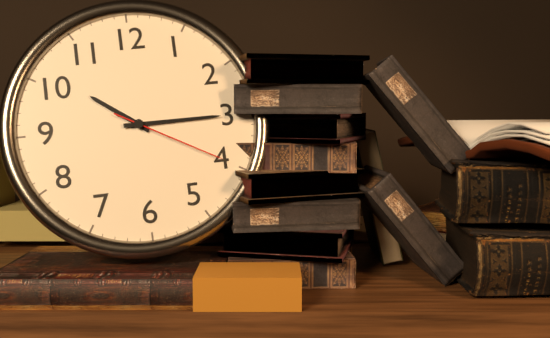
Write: 10h15m20s
